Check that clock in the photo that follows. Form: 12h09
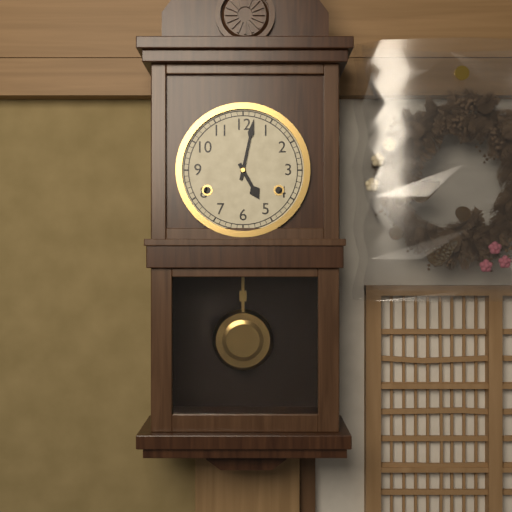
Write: 5h02
